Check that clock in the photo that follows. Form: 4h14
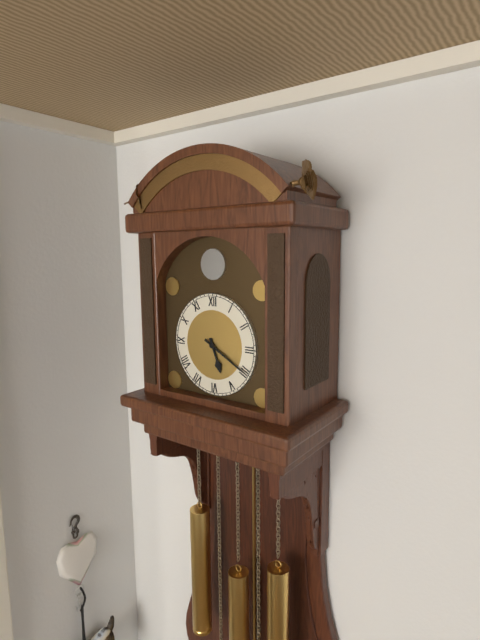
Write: 5h20
